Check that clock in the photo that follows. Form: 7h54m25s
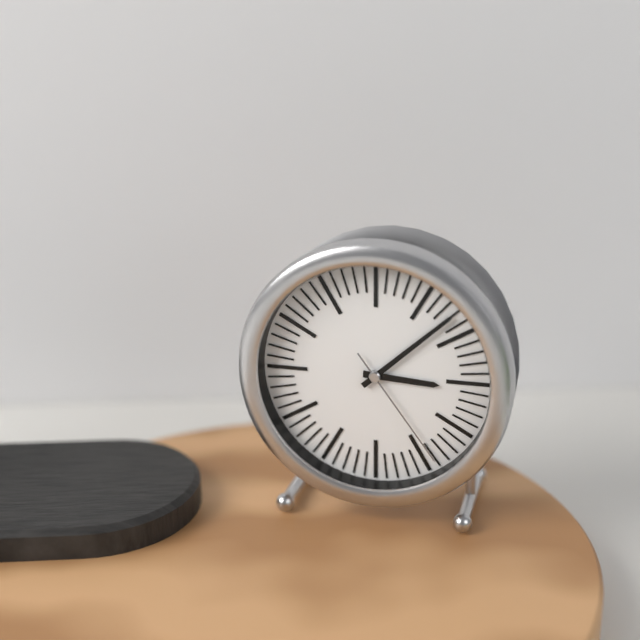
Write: 3h08m24s
